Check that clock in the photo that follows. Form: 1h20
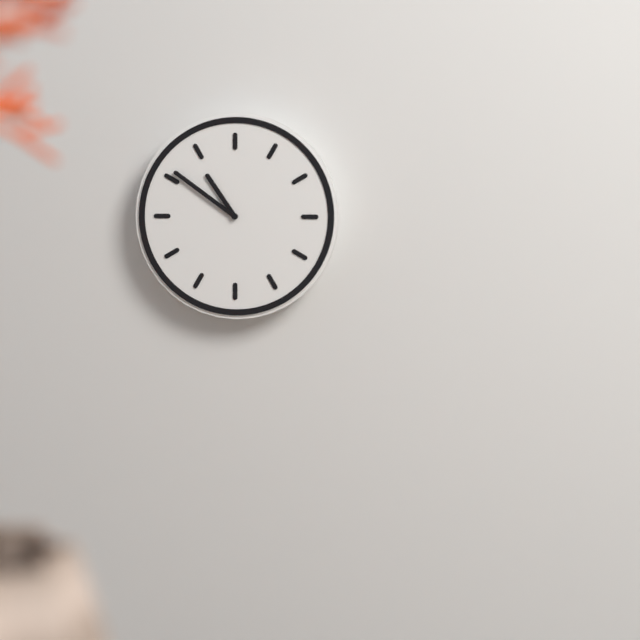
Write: 10h51
